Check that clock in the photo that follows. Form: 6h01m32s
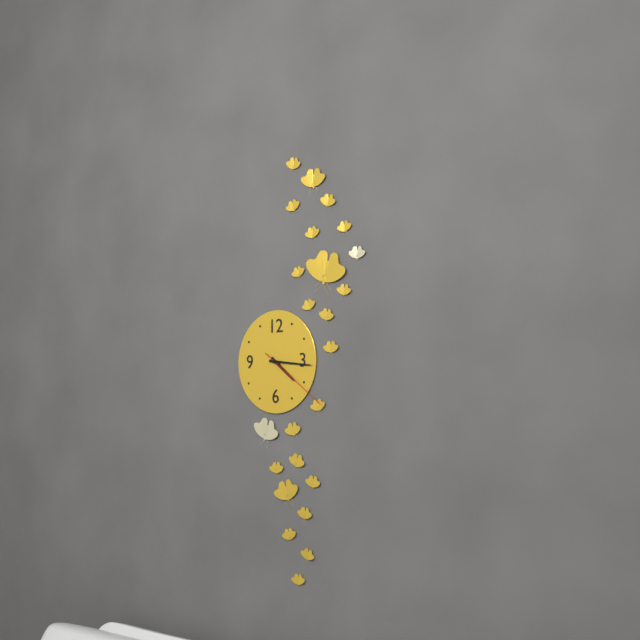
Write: 4h16m21s
